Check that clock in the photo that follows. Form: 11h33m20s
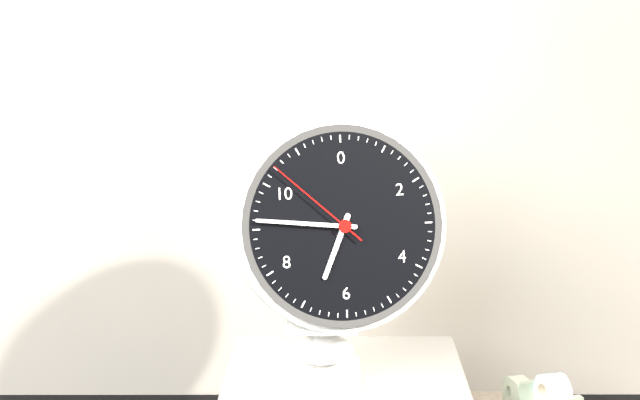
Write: 6h46m52s
